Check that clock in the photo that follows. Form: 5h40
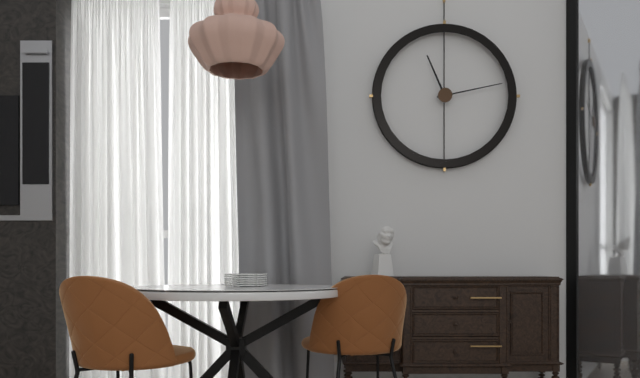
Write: 11h13
